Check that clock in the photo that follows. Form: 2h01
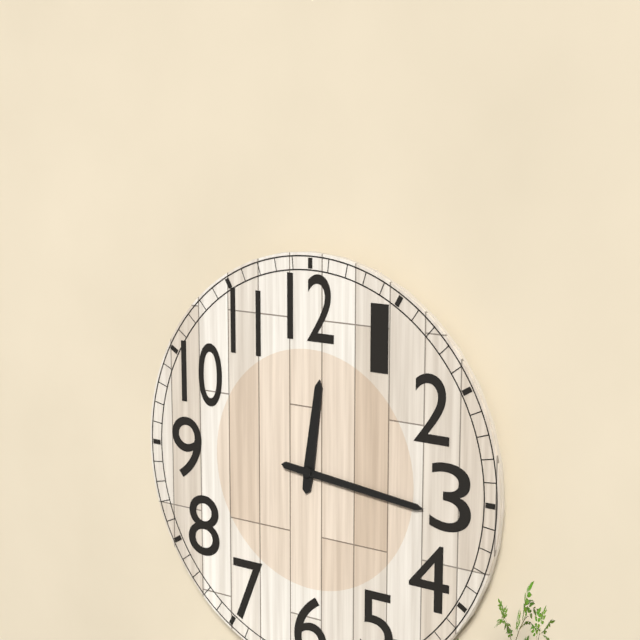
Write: 12h16
